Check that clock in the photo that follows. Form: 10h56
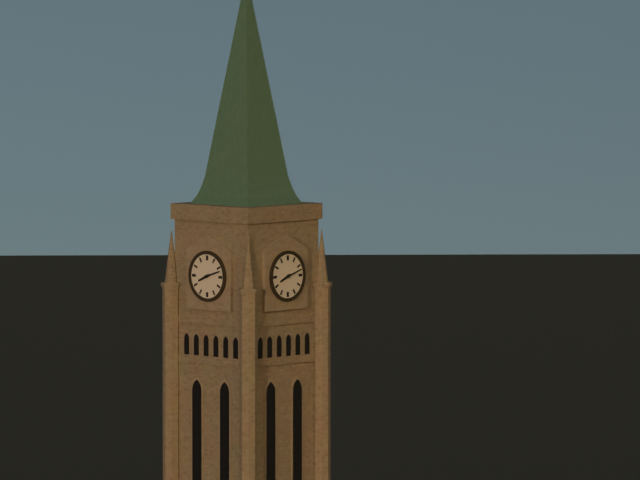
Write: 8h12
